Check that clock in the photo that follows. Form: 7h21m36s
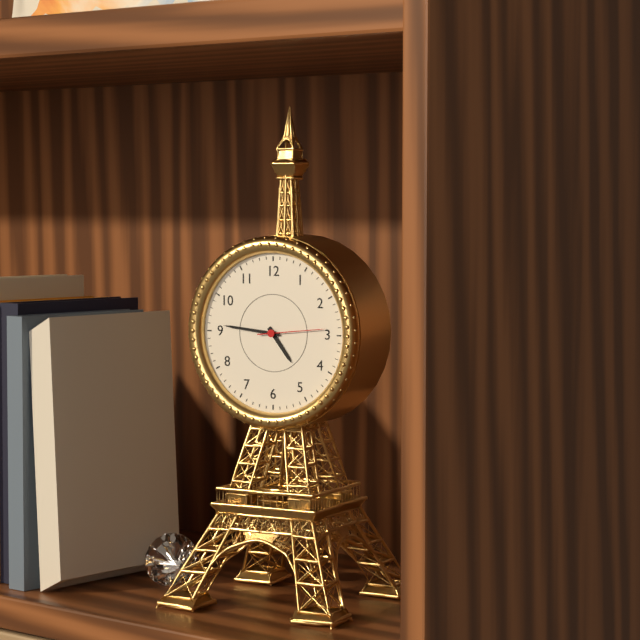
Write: 4h46m14s
